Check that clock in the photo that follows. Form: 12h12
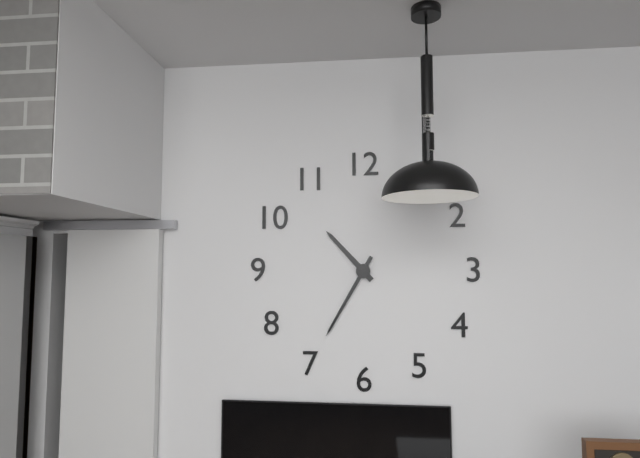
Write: 10h35
